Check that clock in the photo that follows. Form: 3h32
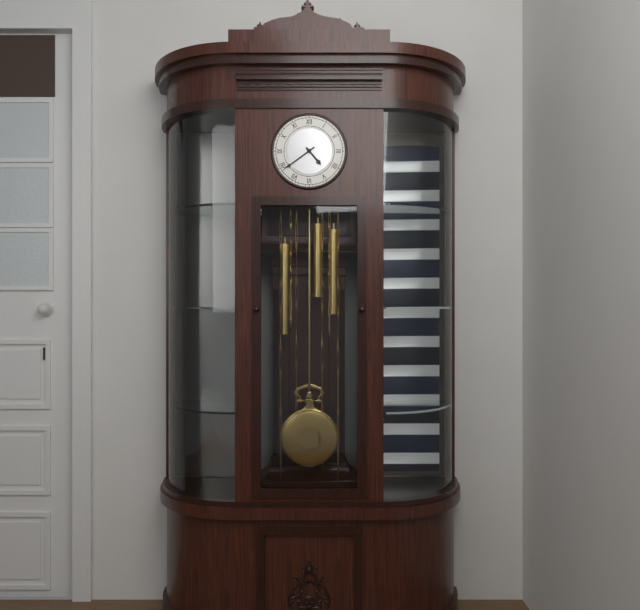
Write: 4h39
